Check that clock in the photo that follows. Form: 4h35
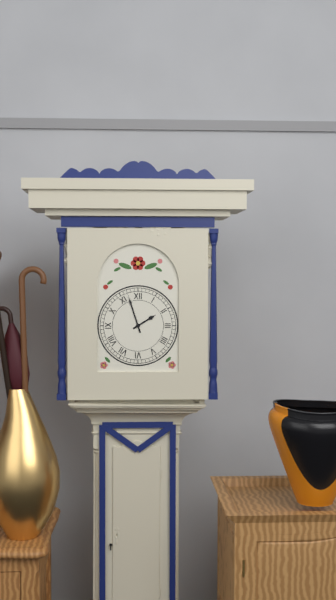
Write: 1h57
